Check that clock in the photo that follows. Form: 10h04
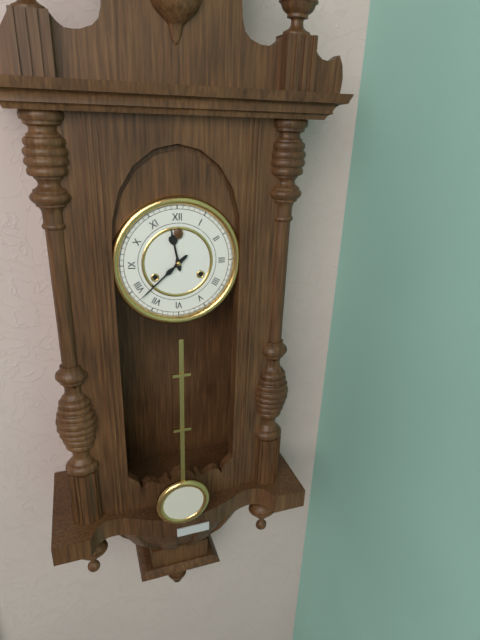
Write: 11h38
